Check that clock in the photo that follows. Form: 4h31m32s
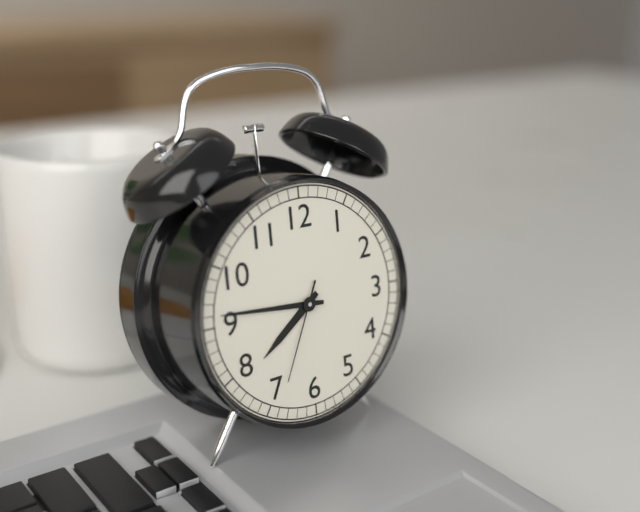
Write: 7h46m34s
